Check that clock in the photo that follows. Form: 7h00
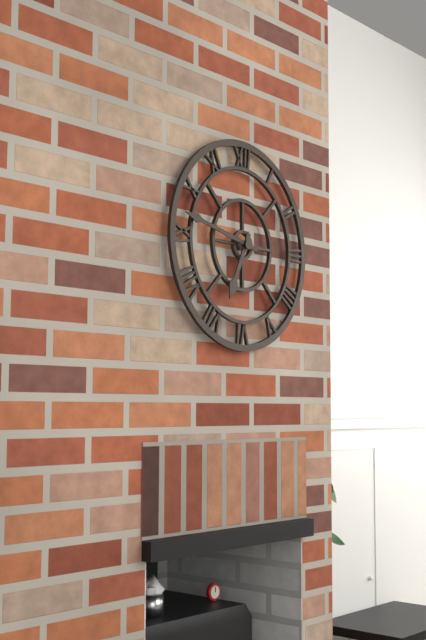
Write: 6h47
